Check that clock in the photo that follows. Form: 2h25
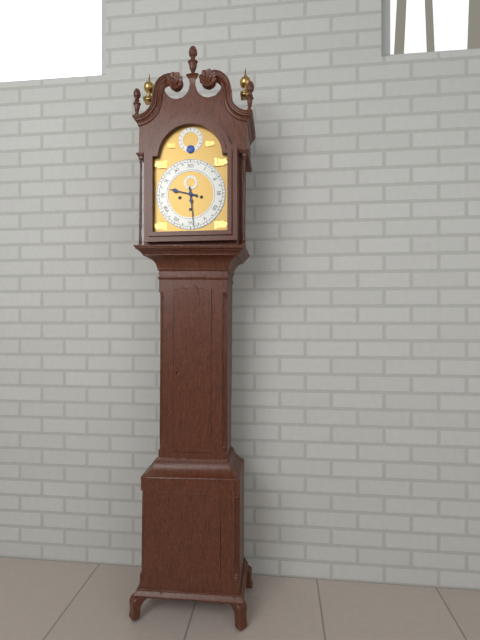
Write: 9h29
